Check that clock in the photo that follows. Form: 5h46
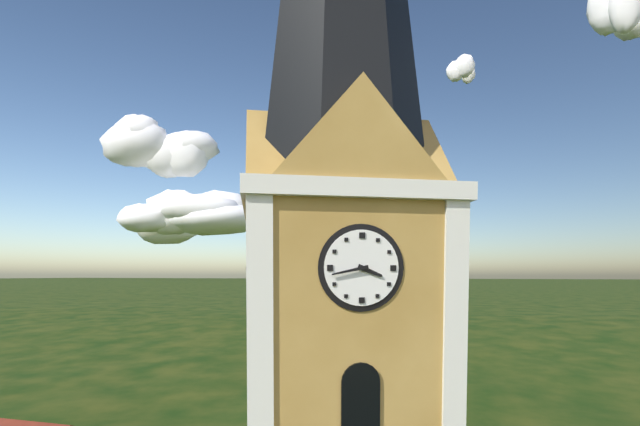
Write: 3h43
